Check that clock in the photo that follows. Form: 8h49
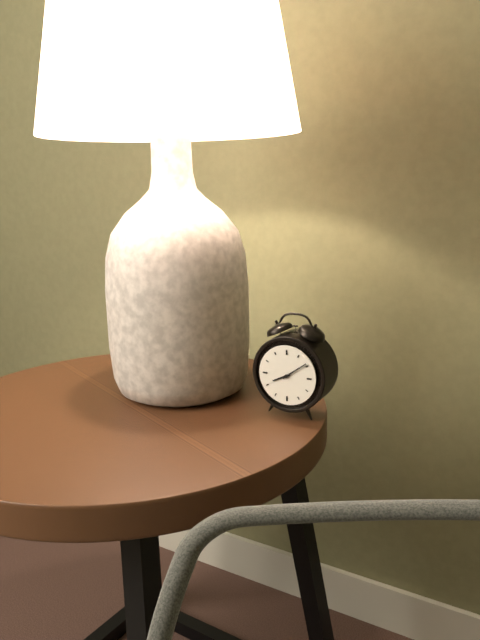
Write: 8h09
